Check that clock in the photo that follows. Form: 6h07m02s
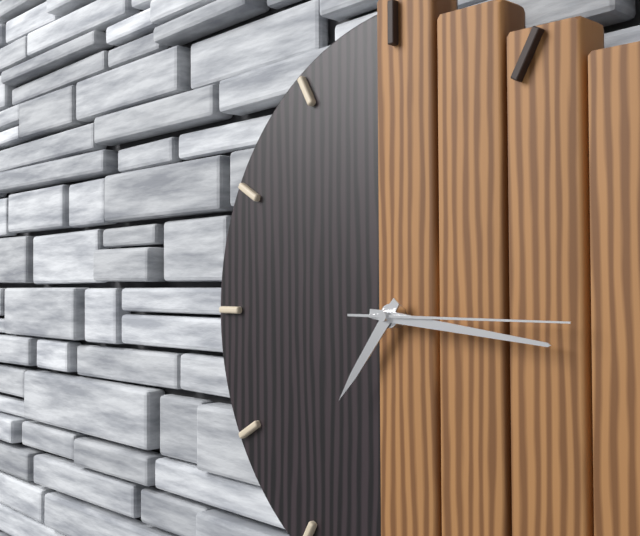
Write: 7h16m15s
